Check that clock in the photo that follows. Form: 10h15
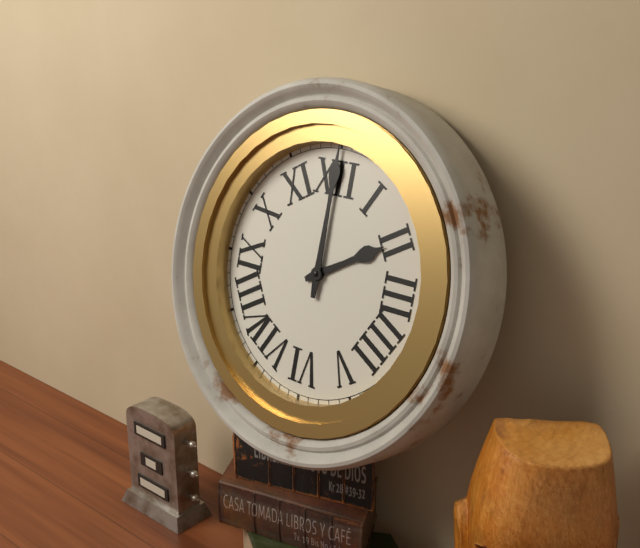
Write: 2h00
